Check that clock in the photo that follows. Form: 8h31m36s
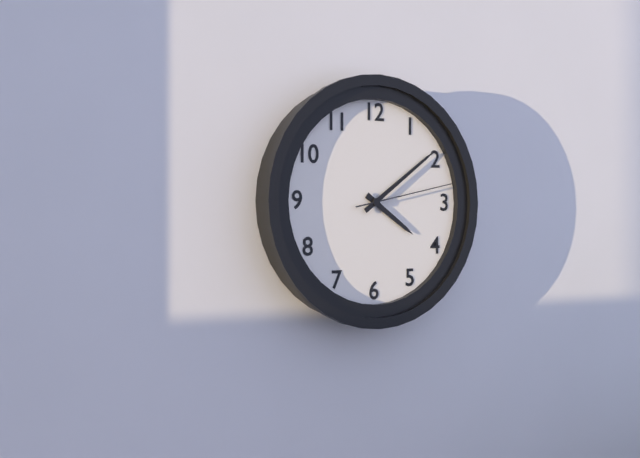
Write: 4h09m13s
